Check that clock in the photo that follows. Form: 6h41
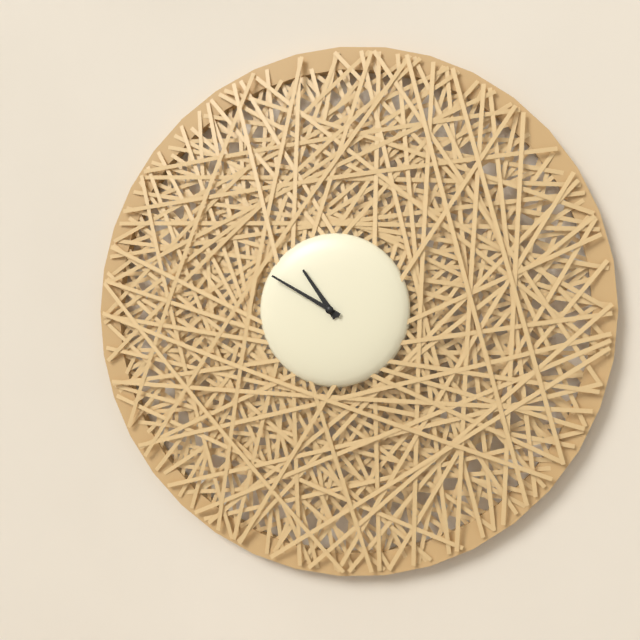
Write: 10h50
